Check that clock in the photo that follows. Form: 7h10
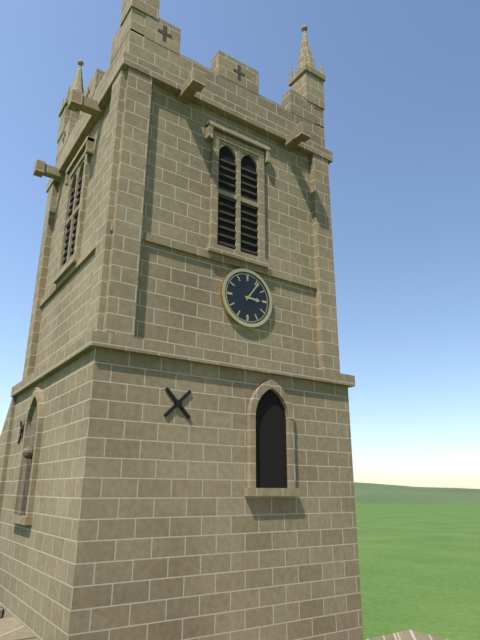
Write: 3h06
